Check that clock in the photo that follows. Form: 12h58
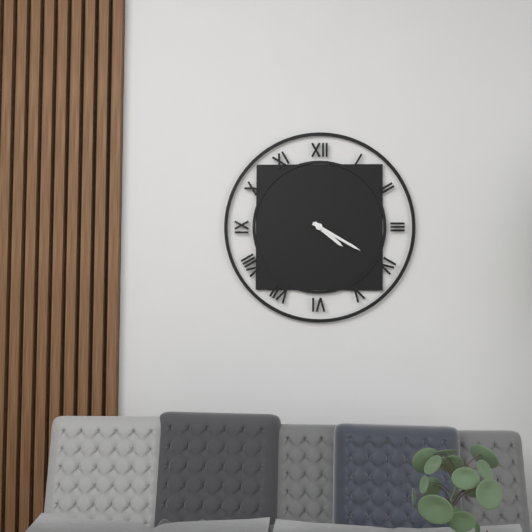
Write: 4h20
